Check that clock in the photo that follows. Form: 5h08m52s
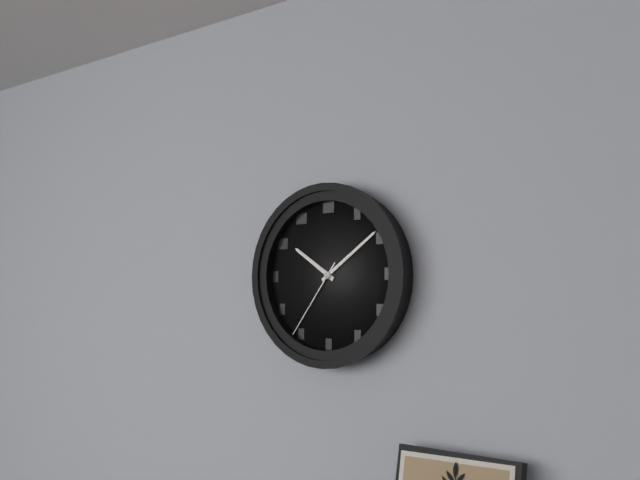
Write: 10h09m36s
